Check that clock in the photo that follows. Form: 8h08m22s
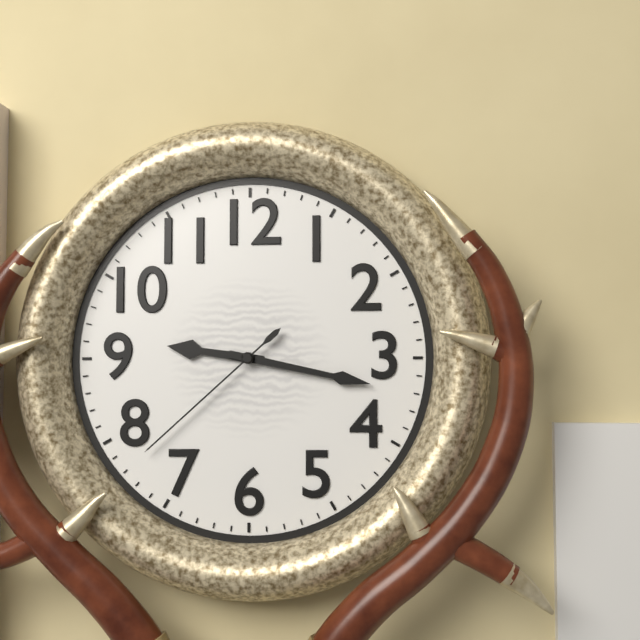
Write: 9h17m38s
